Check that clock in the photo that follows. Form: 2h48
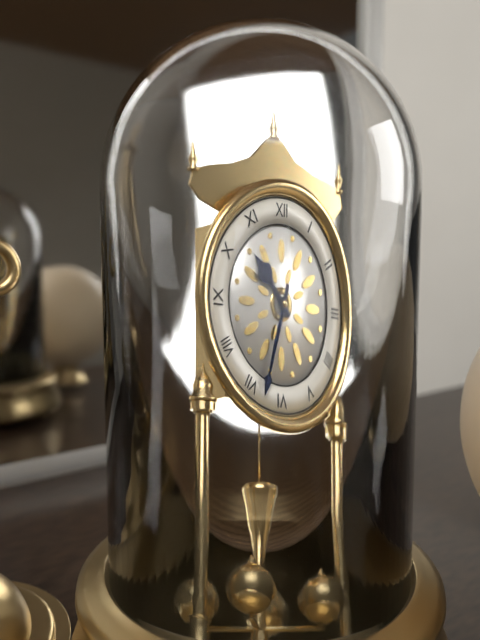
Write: 10h33
